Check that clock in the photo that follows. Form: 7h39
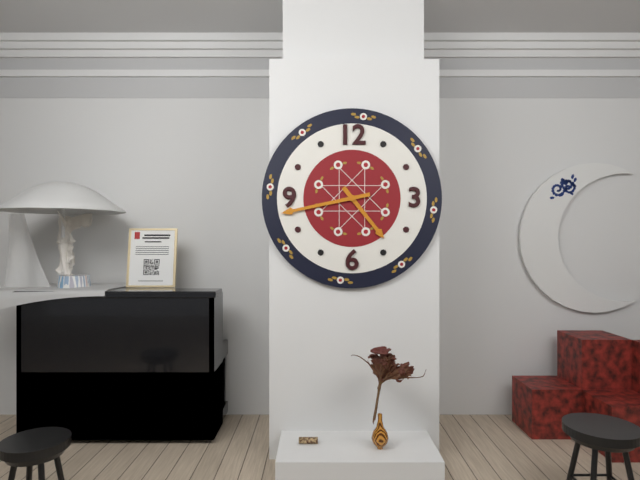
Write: 4h43
